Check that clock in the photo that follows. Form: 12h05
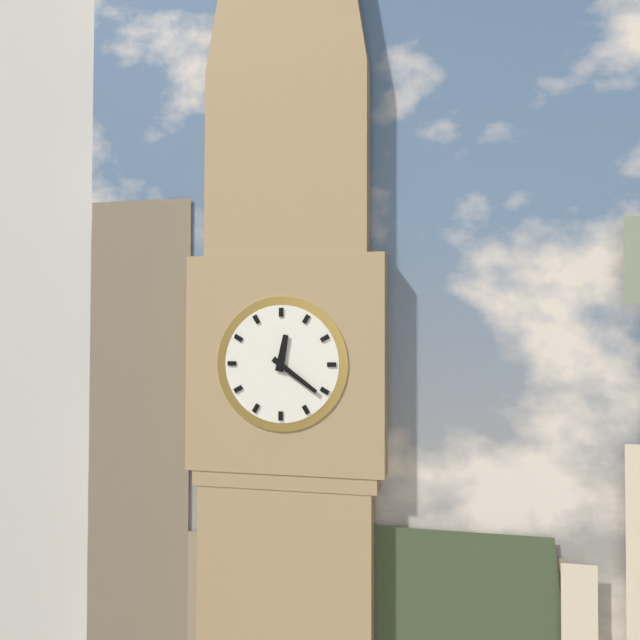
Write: 12h21
